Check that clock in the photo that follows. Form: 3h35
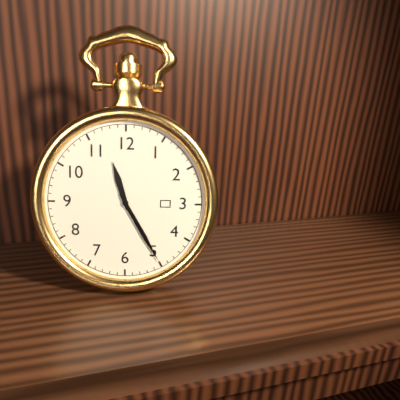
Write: 11h25
